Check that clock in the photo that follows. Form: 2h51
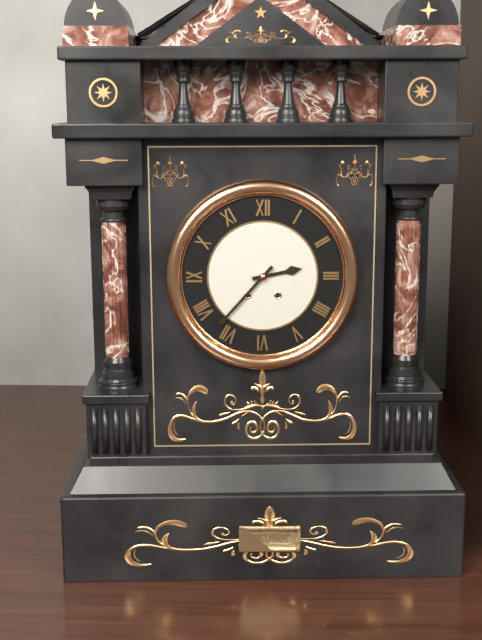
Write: 2h37
